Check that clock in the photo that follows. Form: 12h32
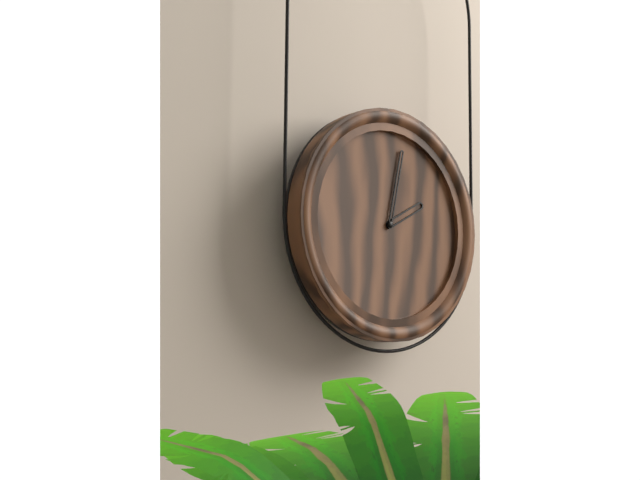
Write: 2h02
